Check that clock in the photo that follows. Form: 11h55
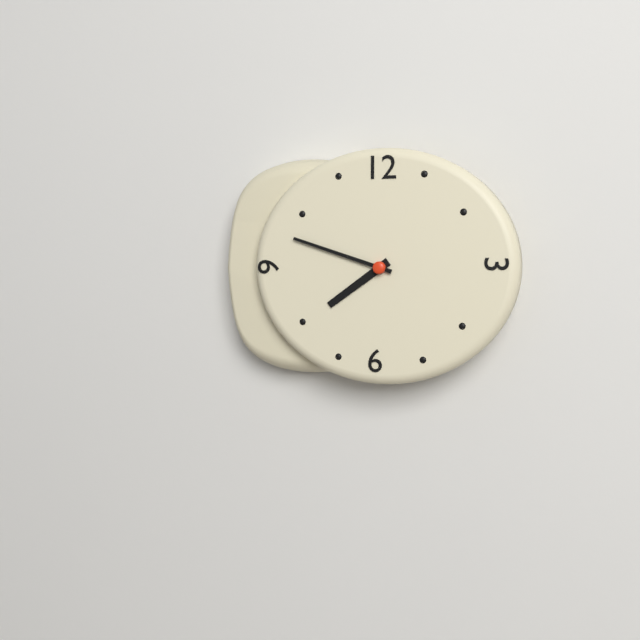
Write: 7h48
